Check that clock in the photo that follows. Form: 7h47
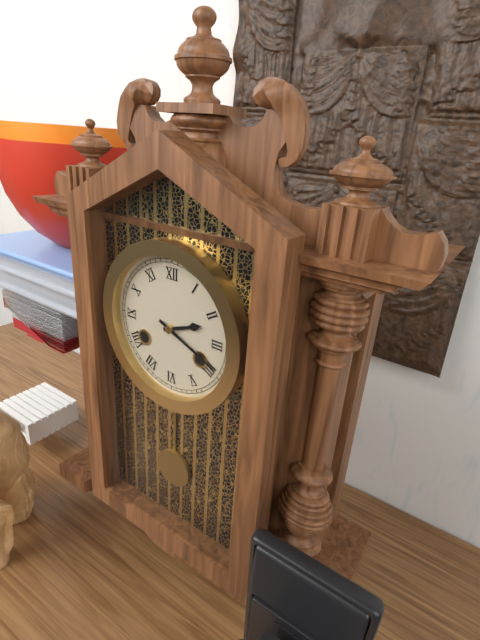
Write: 2h19
